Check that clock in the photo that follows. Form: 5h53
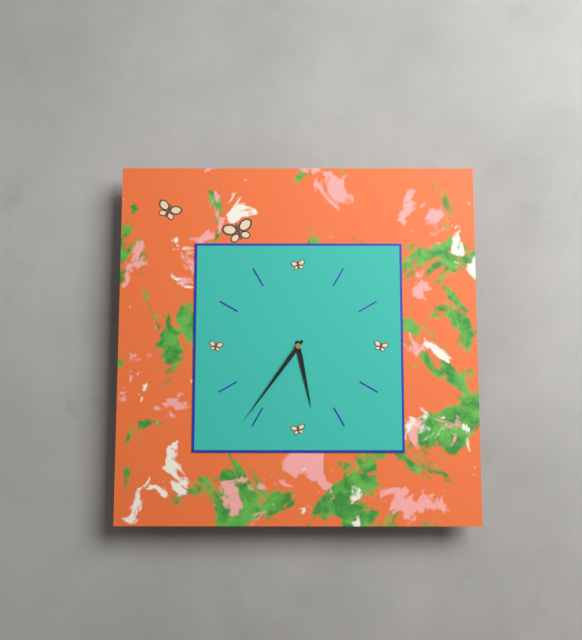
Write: 5h36
